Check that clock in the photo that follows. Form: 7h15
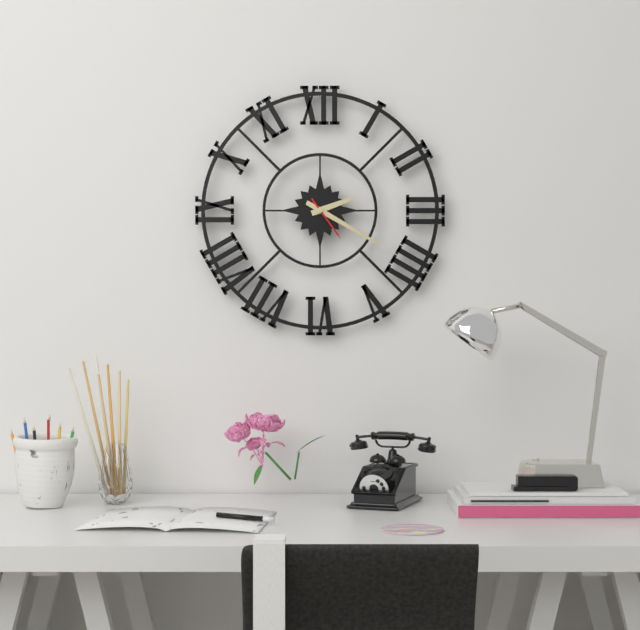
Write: 2h20
